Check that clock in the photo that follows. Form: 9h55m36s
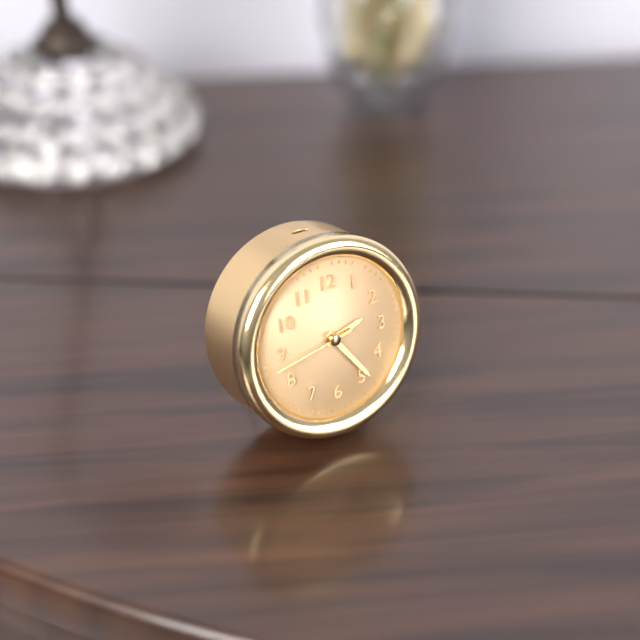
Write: 2h24m43s
